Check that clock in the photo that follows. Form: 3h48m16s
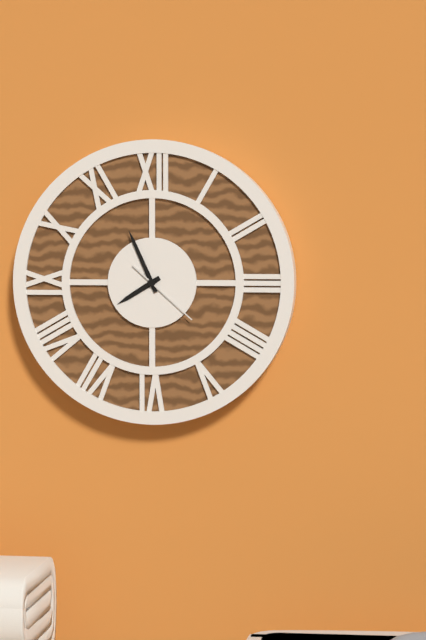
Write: 7h56m22s
